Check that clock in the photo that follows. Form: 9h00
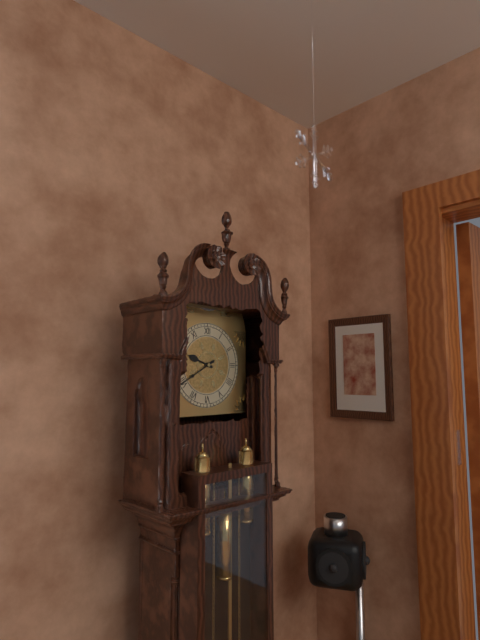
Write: 9h40
